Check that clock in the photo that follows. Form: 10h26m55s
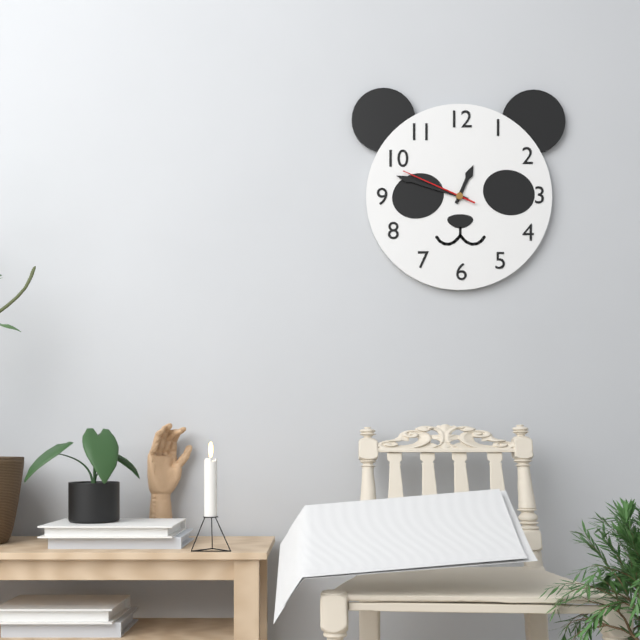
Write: 12h48m49s
